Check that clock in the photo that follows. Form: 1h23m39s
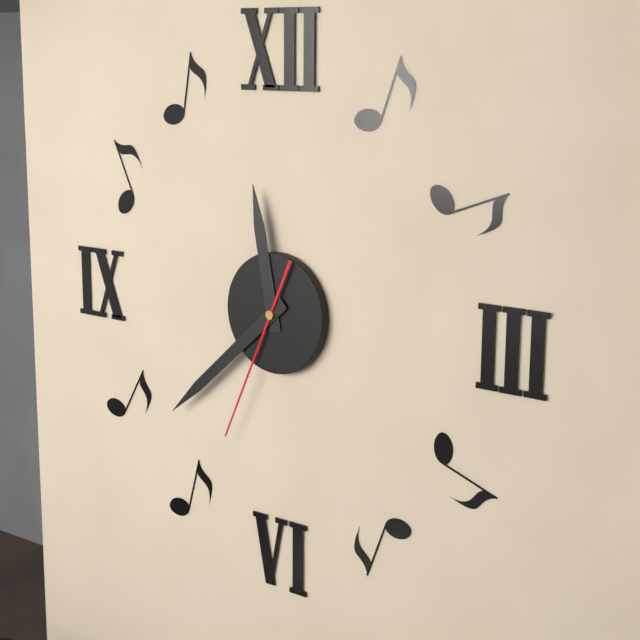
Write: 11h38m34s
